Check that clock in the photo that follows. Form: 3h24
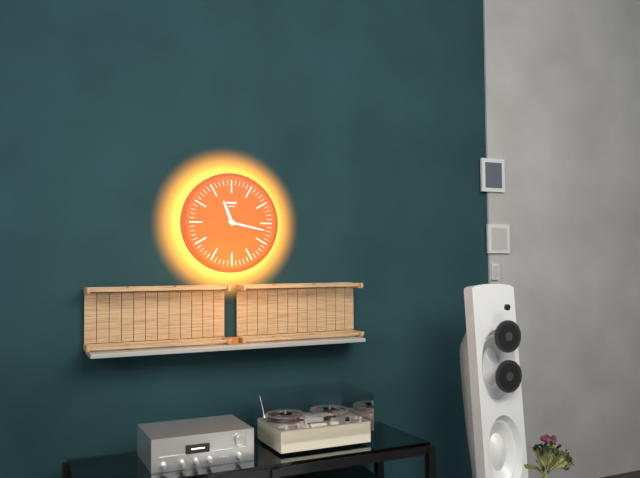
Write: 11h17
